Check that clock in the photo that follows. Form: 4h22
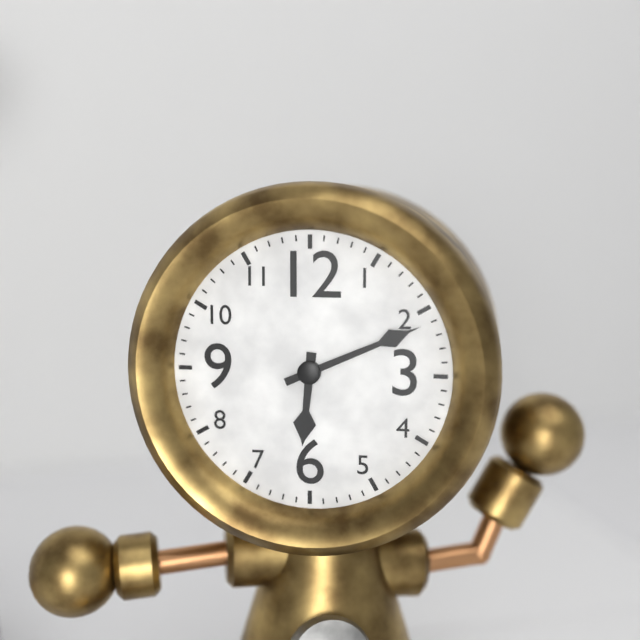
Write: 6h11
